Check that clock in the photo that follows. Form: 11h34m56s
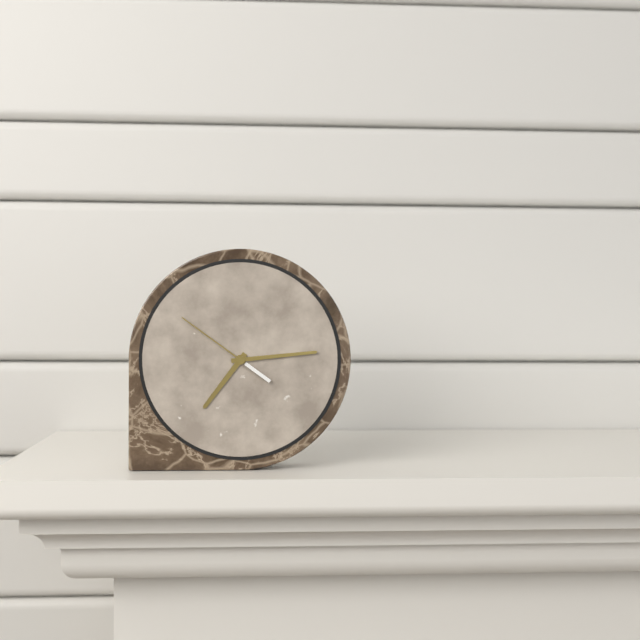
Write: 7h14m51s
